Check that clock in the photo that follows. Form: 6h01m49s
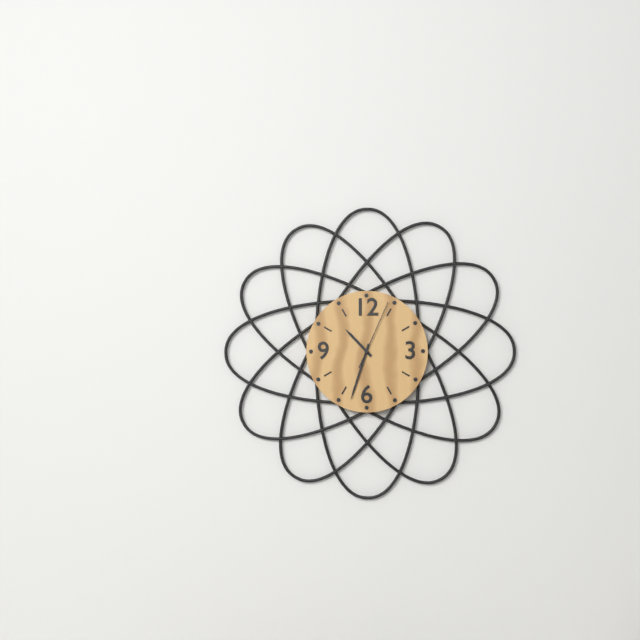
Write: 10h33m04s
